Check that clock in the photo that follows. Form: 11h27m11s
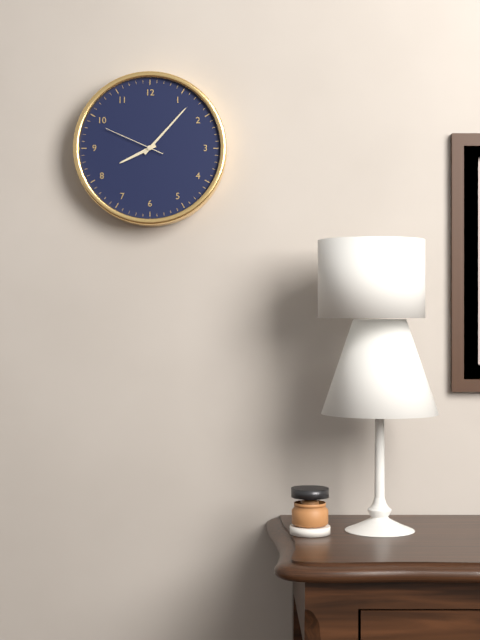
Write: 8h07m49s
